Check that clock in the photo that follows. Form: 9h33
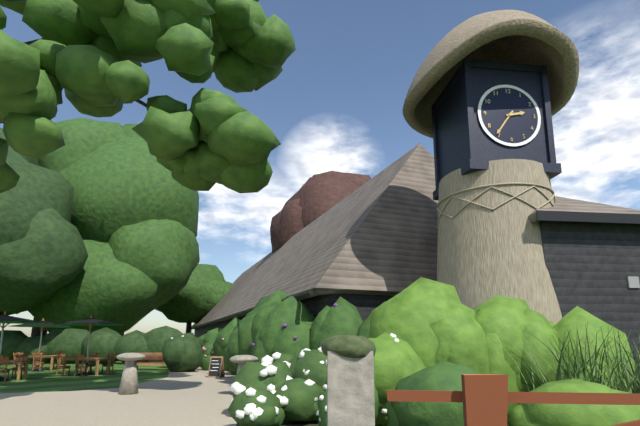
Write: 2h36
